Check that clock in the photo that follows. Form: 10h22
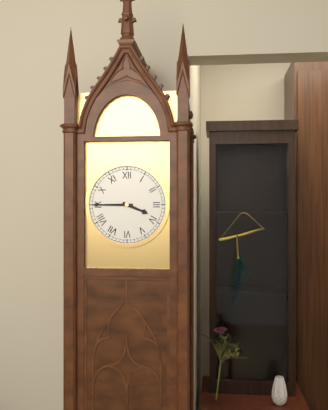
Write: 3h45
